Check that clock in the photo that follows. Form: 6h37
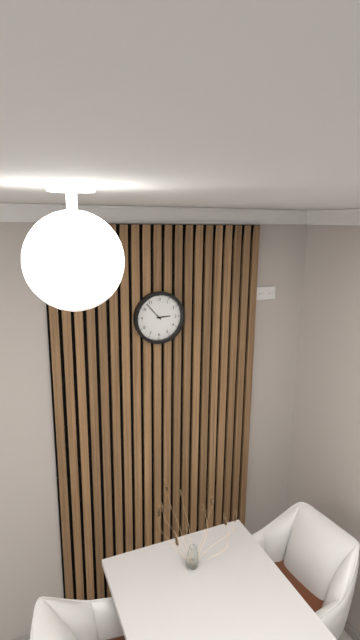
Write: 2h53
